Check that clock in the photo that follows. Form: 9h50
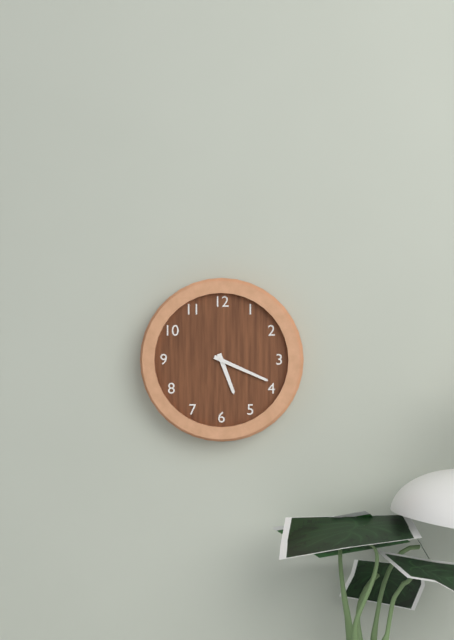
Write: 5h19
